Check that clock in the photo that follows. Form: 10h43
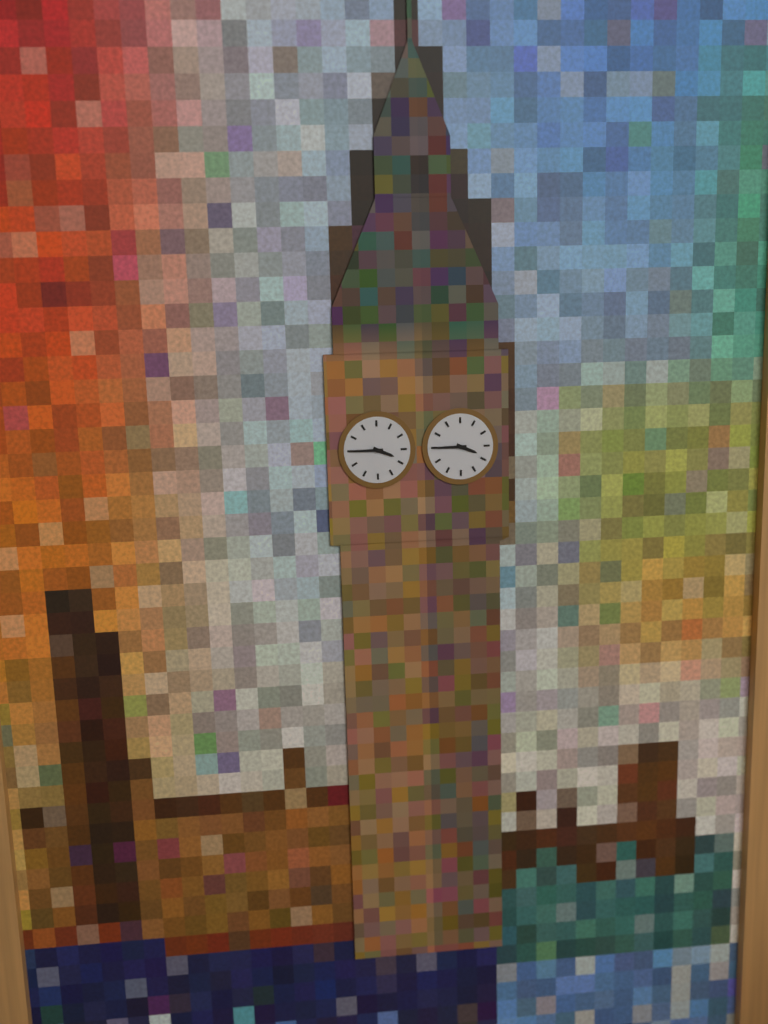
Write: 3h45
